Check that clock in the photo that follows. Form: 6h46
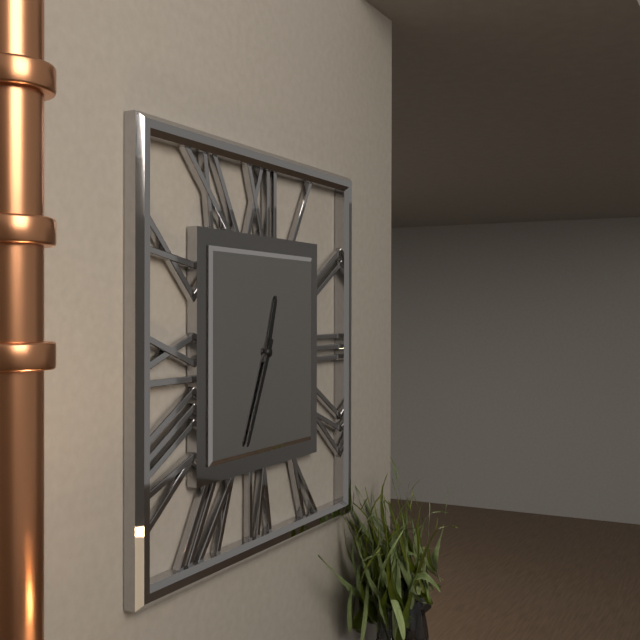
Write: 12h34
